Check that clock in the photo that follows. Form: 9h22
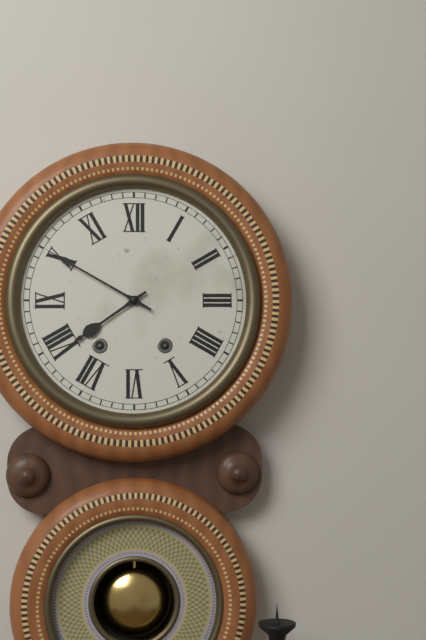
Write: 7h50
